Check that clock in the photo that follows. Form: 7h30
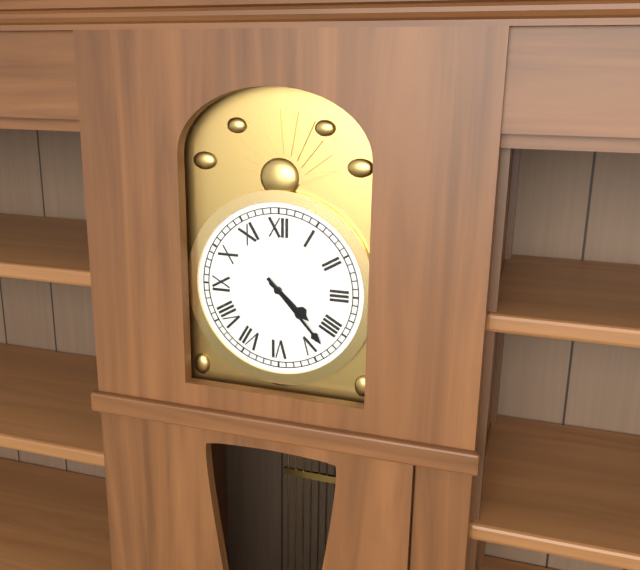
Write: 4h23
